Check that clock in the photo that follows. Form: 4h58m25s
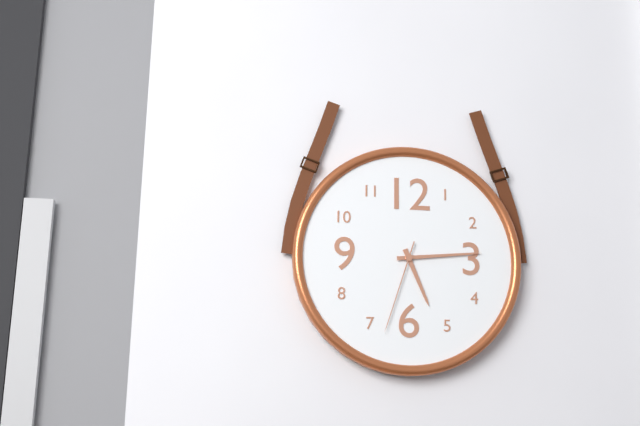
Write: 5h14m33s
